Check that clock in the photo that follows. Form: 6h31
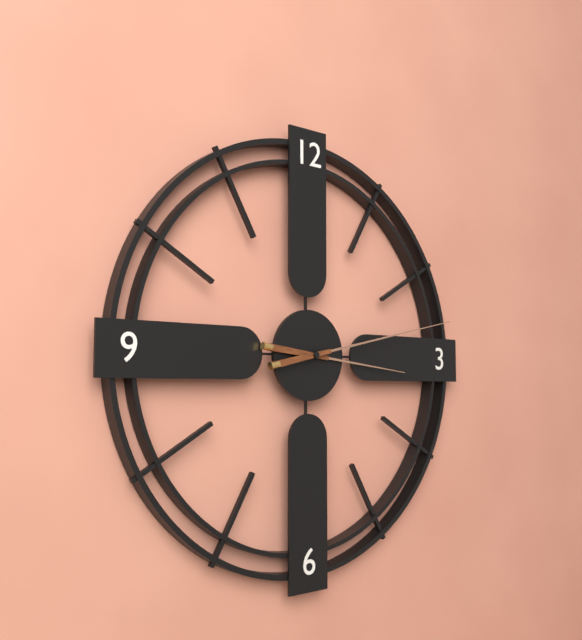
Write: 3h13
